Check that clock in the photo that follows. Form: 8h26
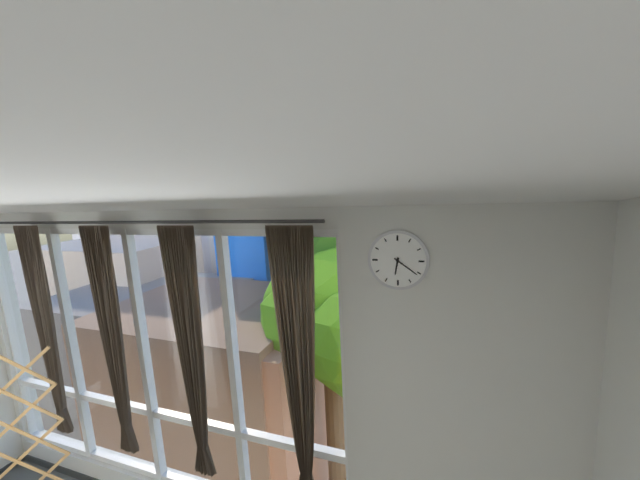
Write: 6h21
